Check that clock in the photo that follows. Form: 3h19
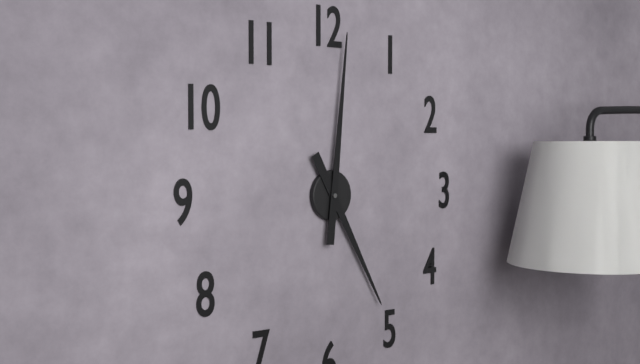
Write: 5h01
